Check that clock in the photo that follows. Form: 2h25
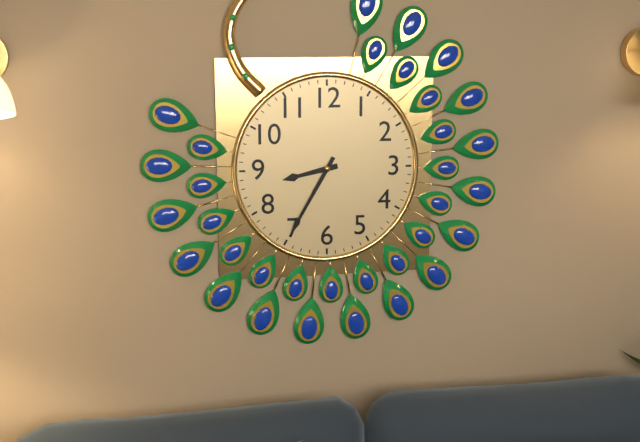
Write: 8h35
